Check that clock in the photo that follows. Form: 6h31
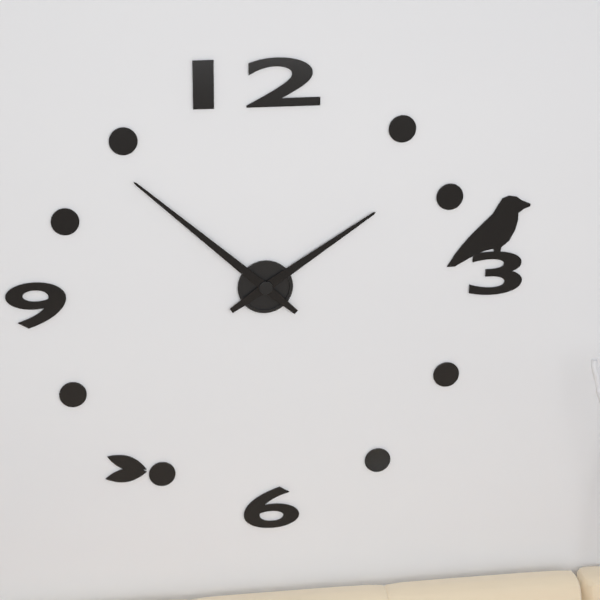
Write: 1h52
